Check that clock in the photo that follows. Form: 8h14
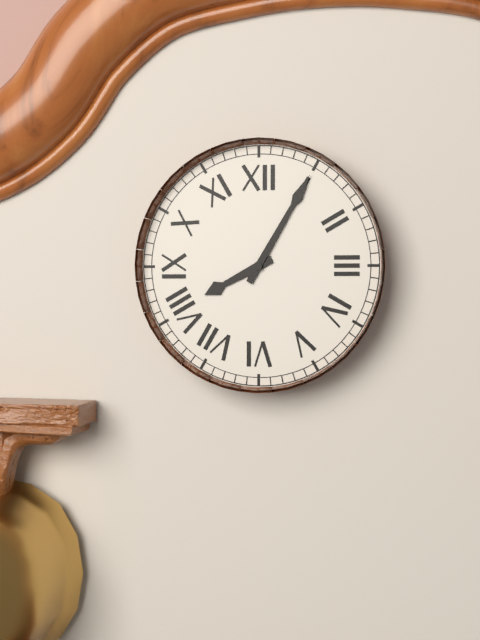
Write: 8h05
